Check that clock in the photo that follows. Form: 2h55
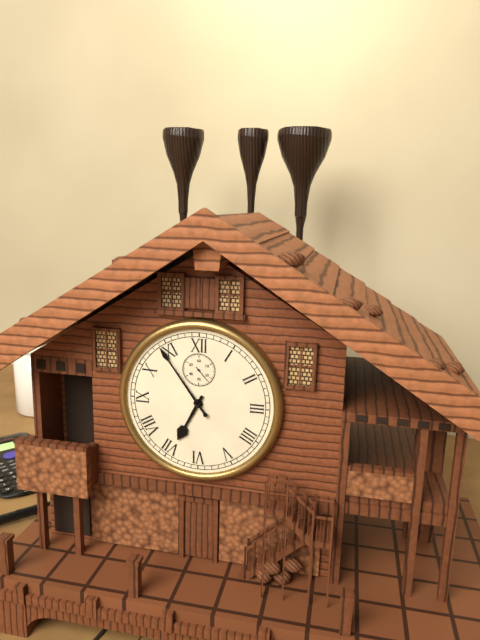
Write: 6h54
